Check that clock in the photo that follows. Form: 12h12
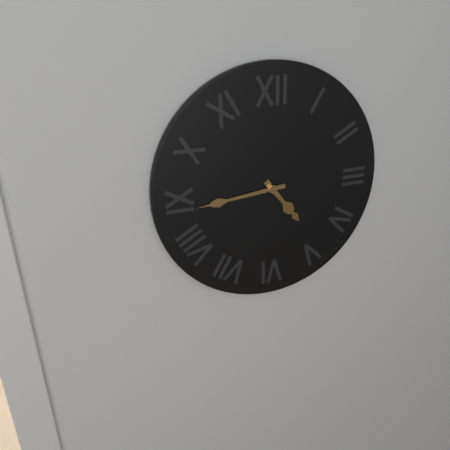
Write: 4h44
